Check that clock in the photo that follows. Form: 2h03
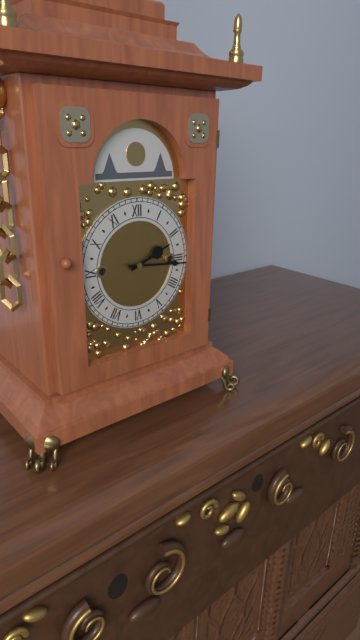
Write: 2h16
